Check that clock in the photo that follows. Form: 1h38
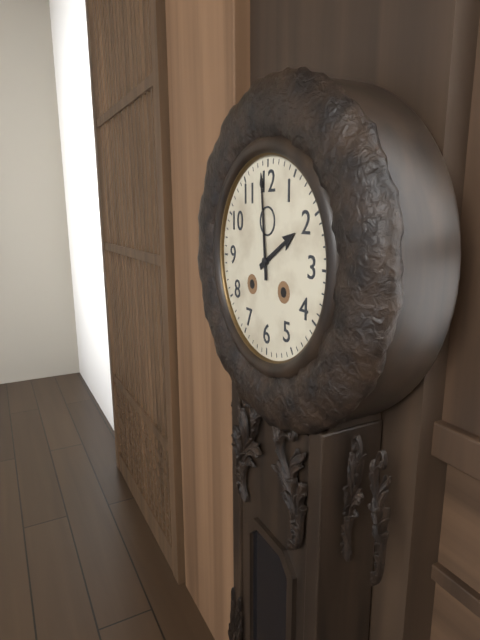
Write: 1h59
